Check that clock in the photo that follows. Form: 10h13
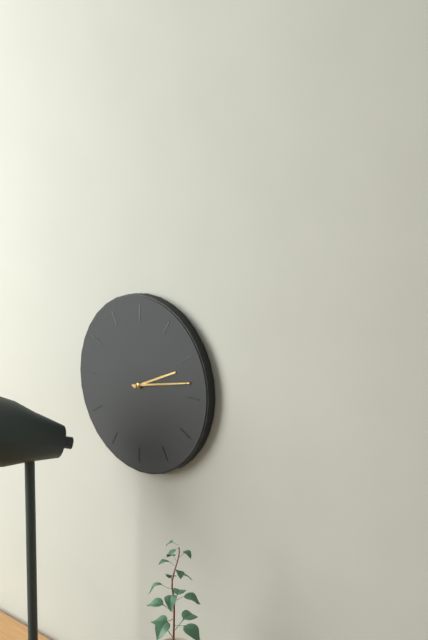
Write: 2h13
